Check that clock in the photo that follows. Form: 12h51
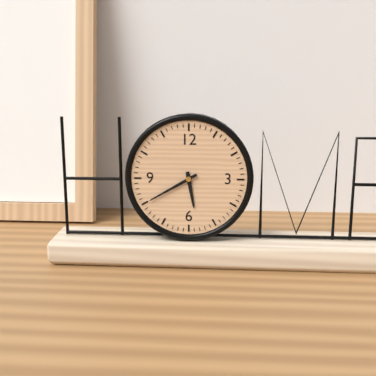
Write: 5h40
